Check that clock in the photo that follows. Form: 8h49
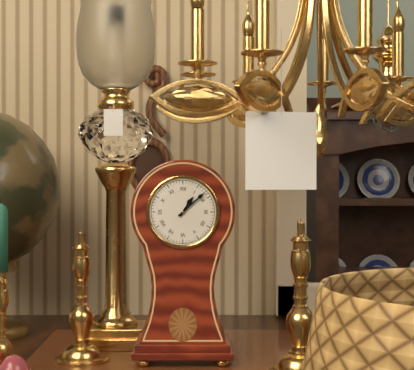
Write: 1h08
